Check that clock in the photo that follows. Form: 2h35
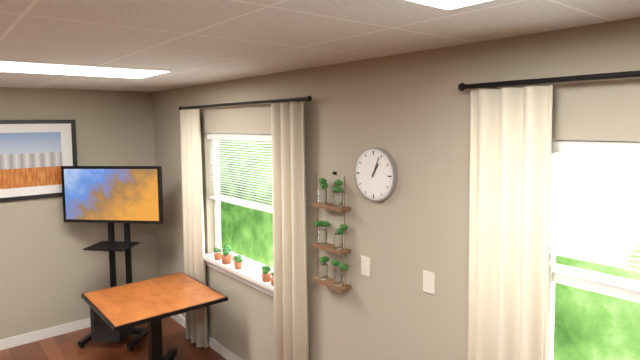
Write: 1h04
